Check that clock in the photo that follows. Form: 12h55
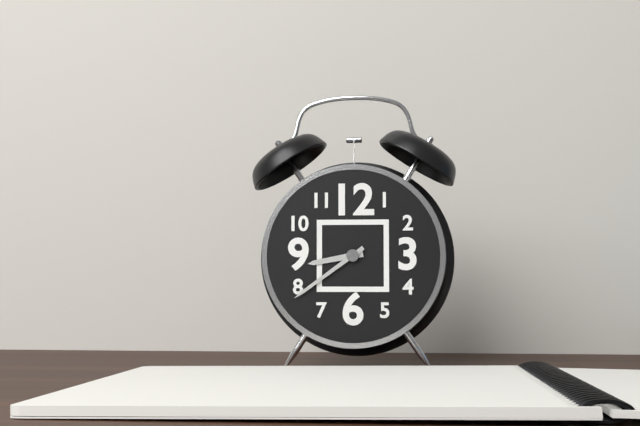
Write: 8h39
